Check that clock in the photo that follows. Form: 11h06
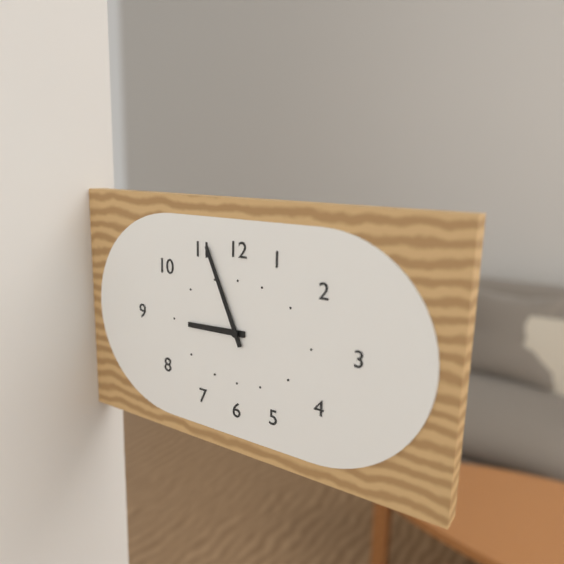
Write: 8h56
